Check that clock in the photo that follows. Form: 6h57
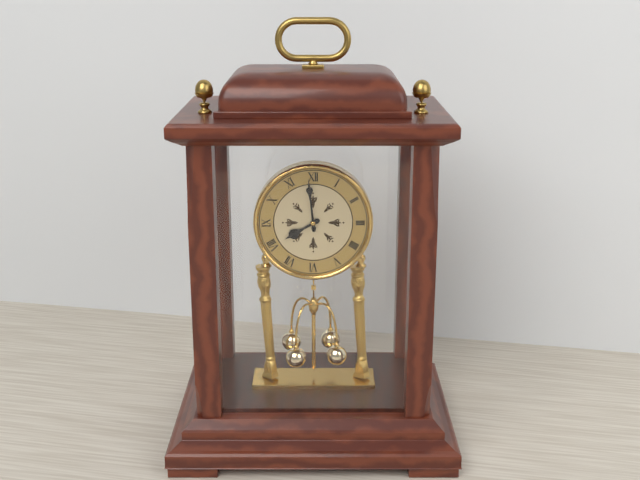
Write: 7h59
